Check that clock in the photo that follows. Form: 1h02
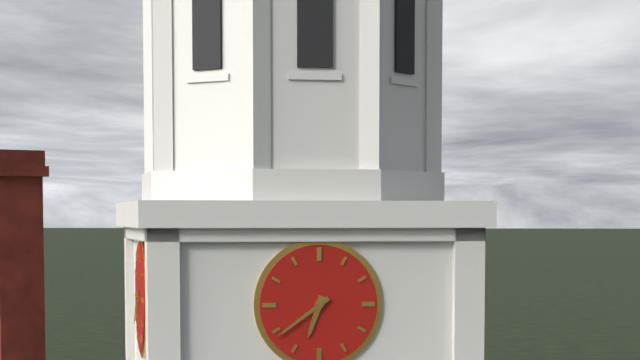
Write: 6h39
